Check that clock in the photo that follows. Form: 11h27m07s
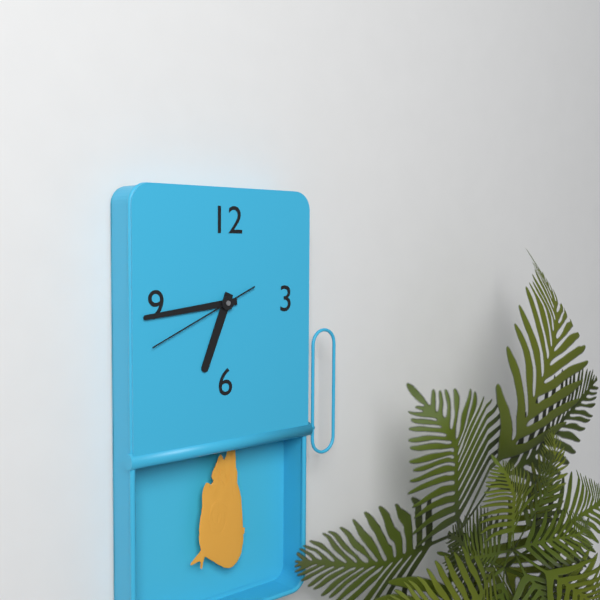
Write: 6h44m41s
